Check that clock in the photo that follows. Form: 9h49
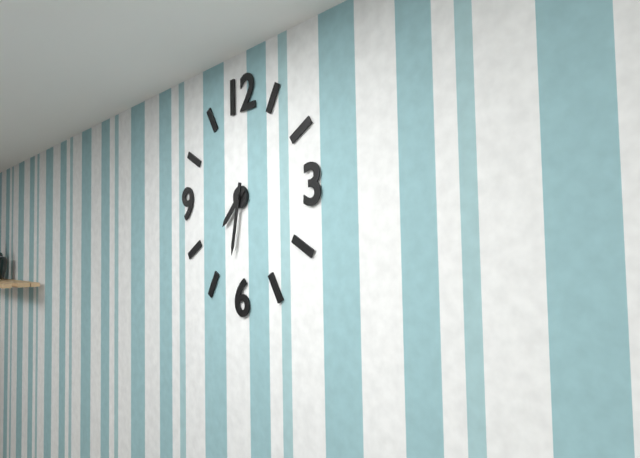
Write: 7h32
